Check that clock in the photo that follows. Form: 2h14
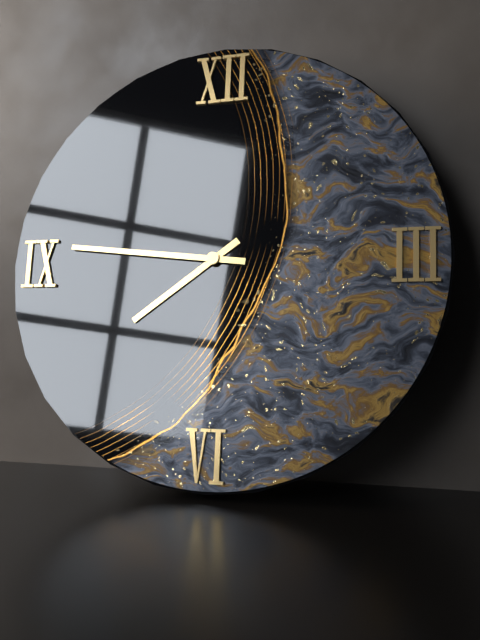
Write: 7h46
